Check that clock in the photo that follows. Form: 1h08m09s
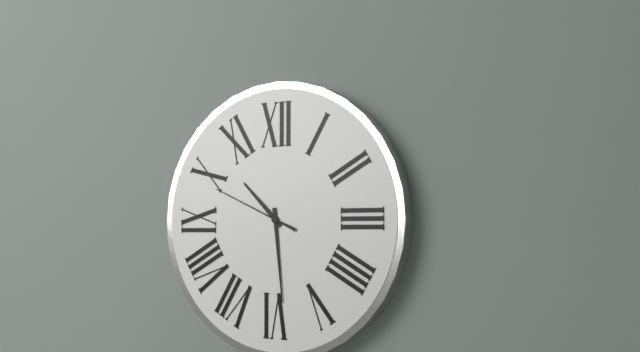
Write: 10h29m49s
